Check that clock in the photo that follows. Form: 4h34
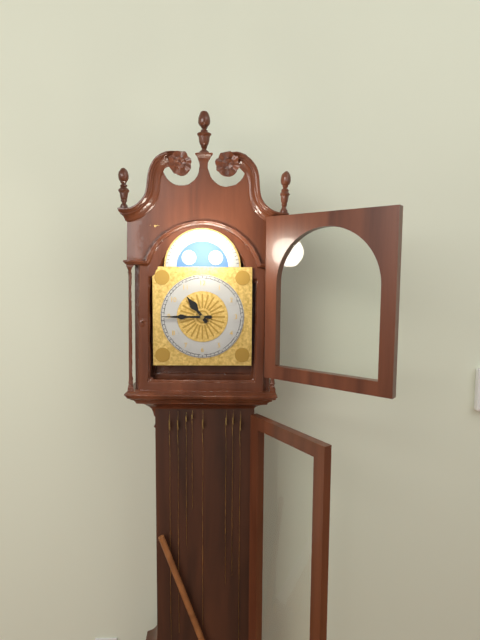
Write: 10h45
